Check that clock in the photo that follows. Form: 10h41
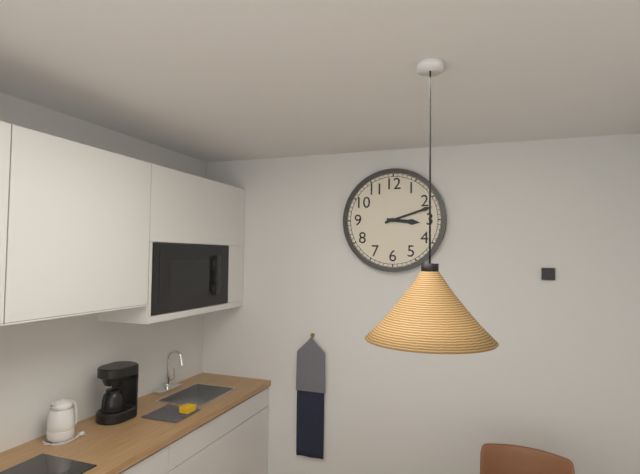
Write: 3h12
